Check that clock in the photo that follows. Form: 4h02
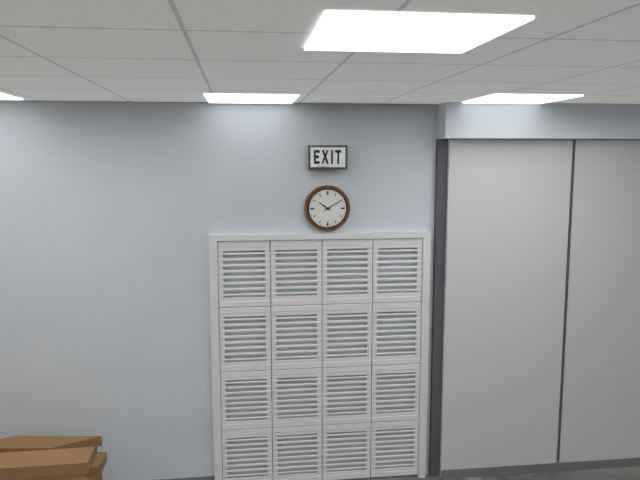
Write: 10h10
